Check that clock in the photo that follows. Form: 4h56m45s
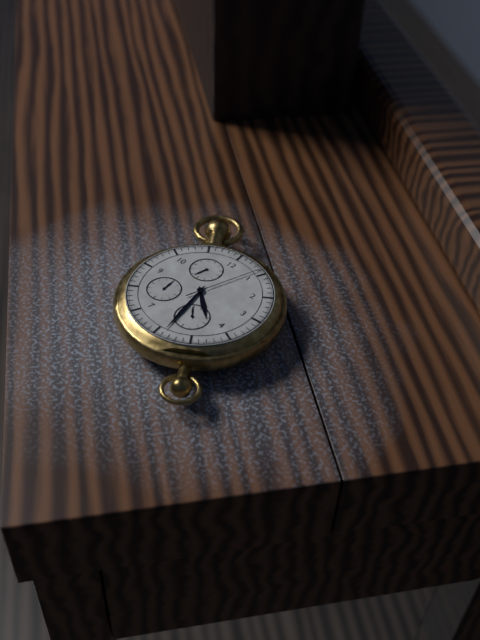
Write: 4h29m04s
